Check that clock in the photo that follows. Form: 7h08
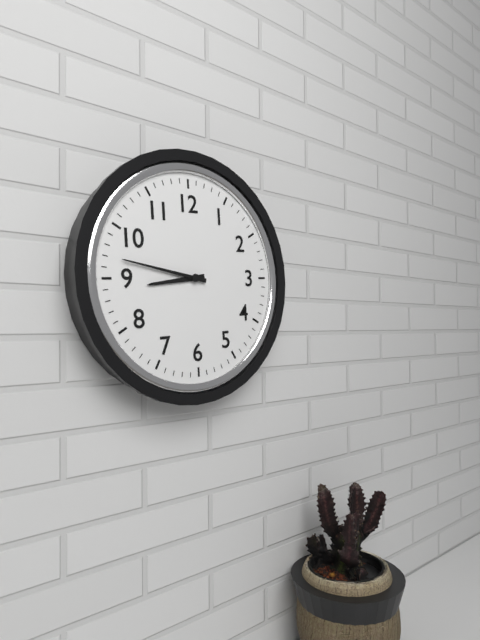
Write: 8h47
